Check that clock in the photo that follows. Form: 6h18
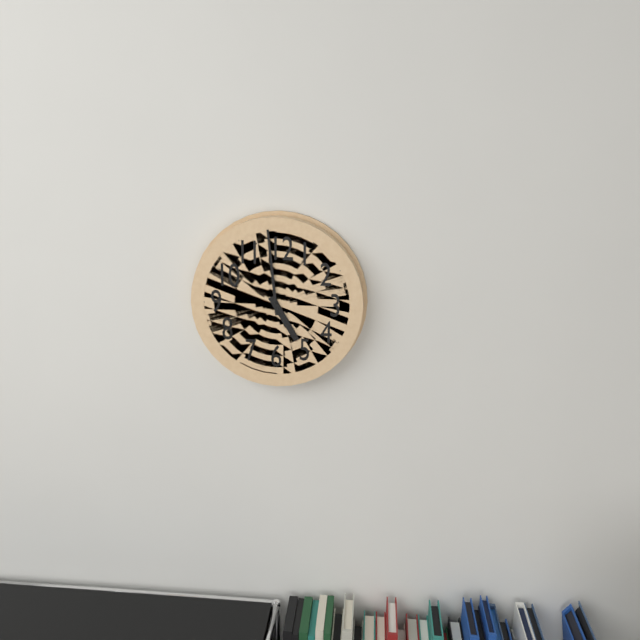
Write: 4h59
